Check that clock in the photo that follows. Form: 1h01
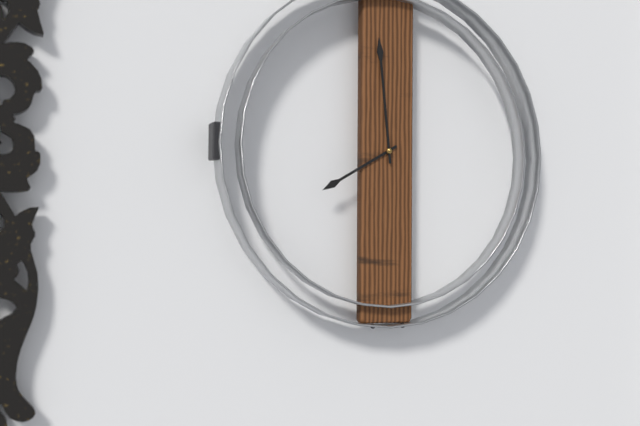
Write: 7h59
